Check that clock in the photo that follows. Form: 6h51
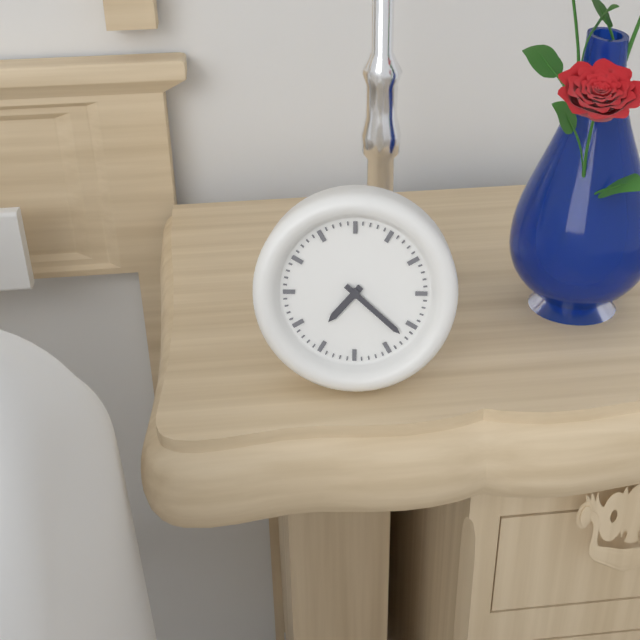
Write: 7h22
